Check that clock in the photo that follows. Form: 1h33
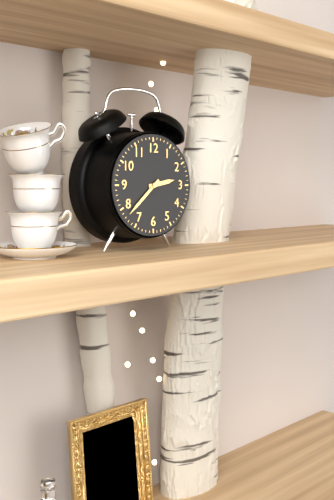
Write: 2h38
